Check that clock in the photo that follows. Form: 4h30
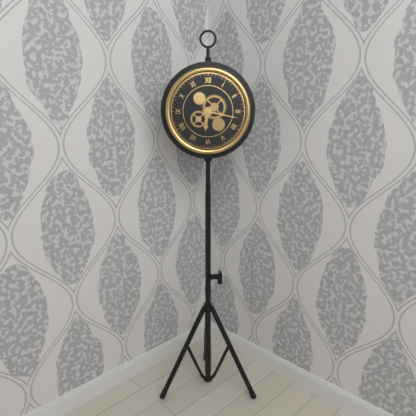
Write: 6h17
